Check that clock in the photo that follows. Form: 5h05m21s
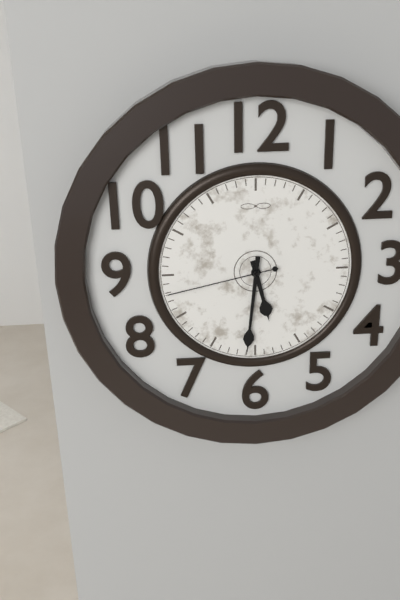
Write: 5h31m43s
